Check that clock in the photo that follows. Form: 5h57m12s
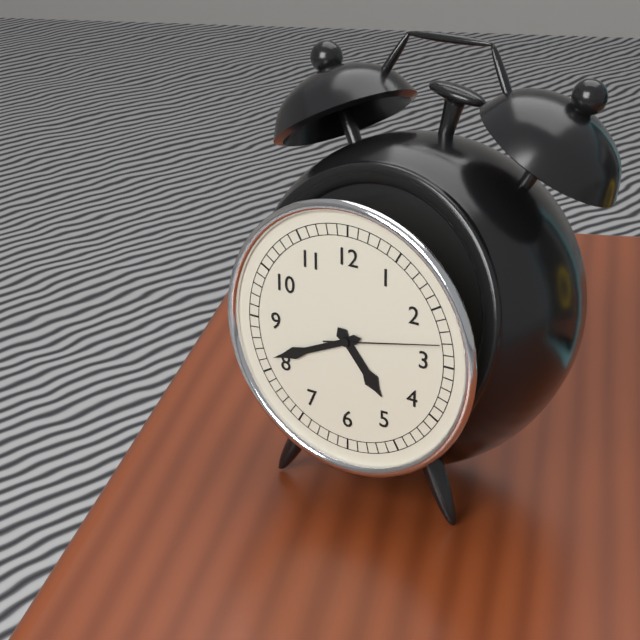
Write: 4h41m13s
